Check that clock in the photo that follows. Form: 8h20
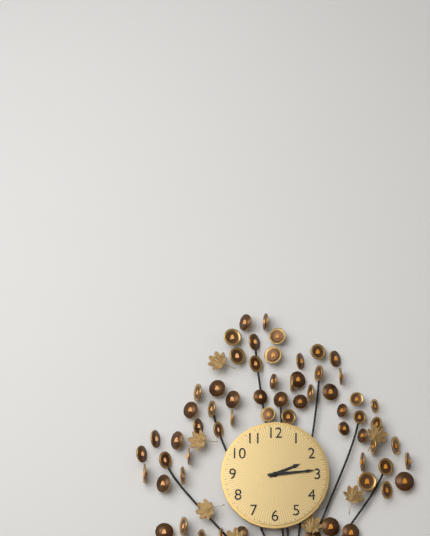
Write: 2h14
